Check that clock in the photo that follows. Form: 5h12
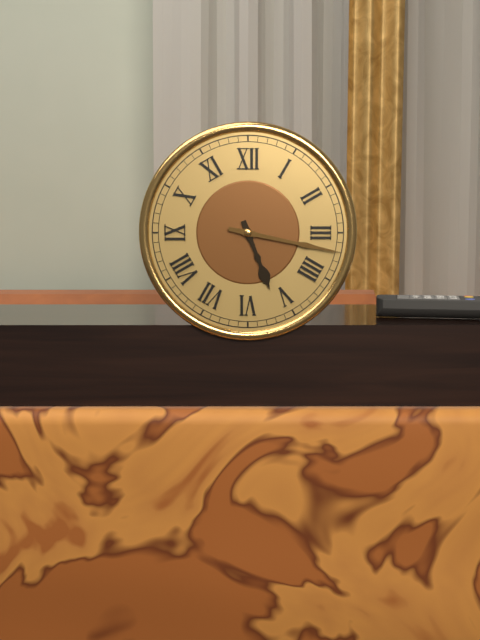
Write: 5h17
